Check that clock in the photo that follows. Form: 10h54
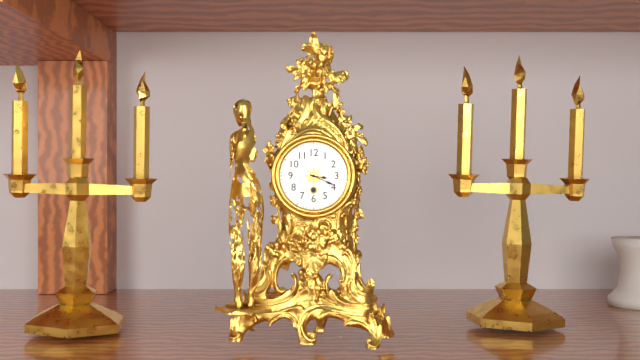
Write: 3h19
